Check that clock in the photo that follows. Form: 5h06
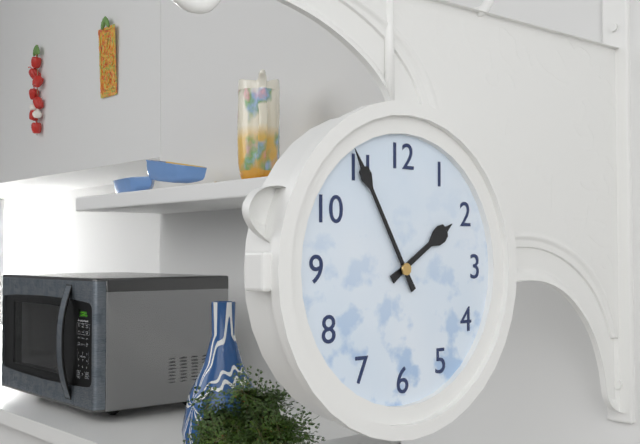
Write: 1h55
